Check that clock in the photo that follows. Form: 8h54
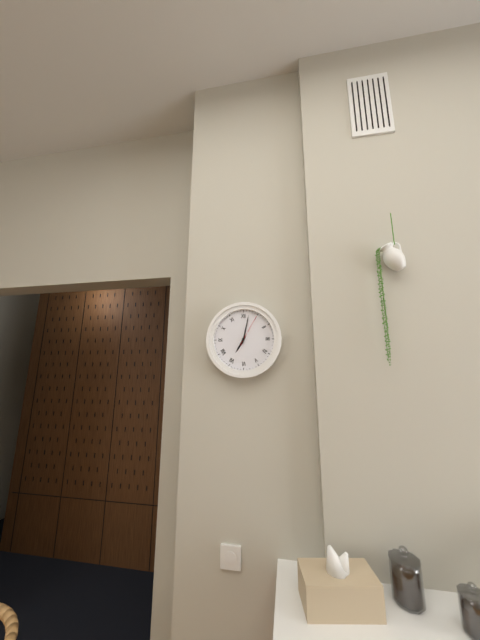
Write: 7h02
